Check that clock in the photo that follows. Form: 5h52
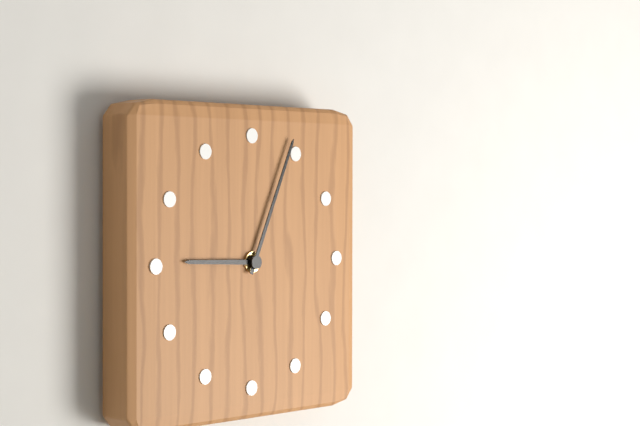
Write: 9h04
